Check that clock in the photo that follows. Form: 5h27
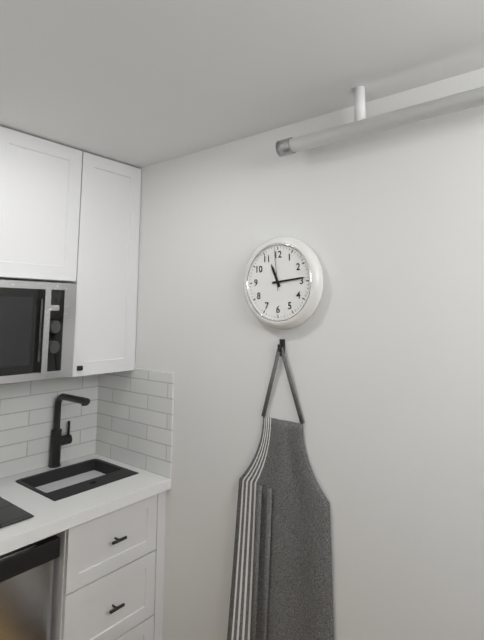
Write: 11h14
